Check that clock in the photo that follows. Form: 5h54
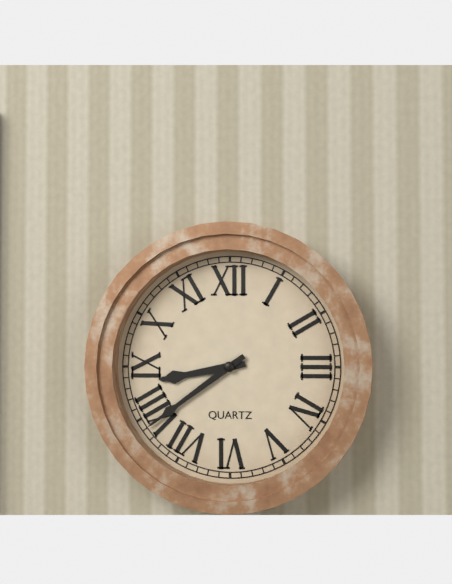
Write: 8h39
